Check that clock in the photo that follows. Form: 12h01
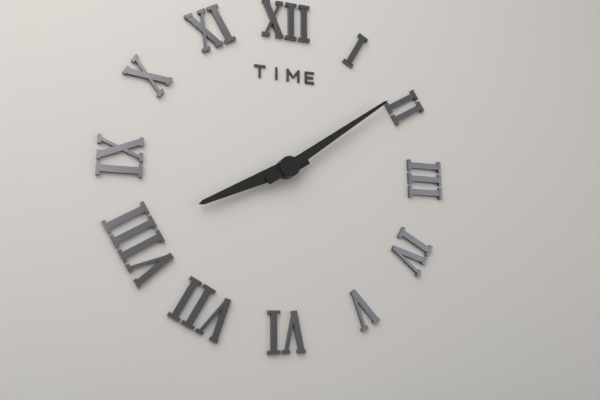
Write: 8h09
